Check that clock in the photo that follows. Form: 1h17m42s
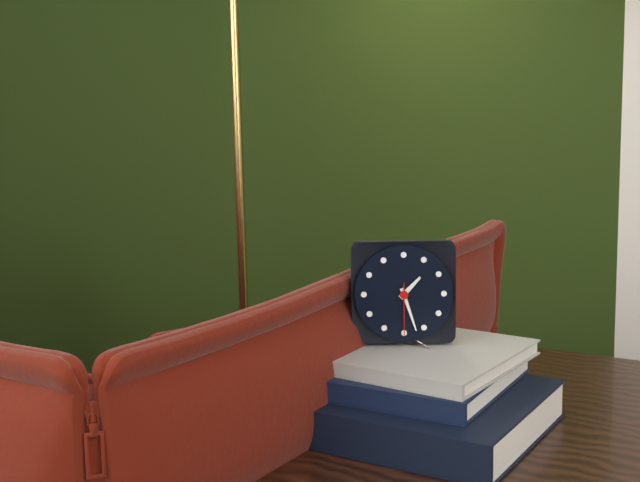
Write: 1h27m30s
